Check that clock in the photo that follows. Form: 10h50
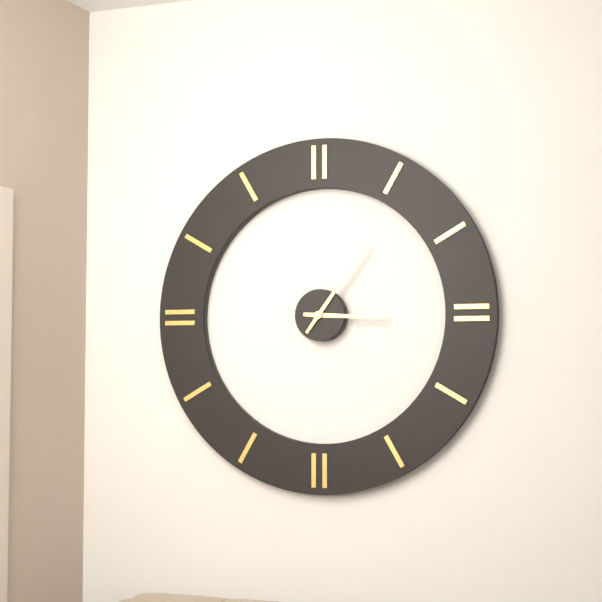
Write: 3h06
